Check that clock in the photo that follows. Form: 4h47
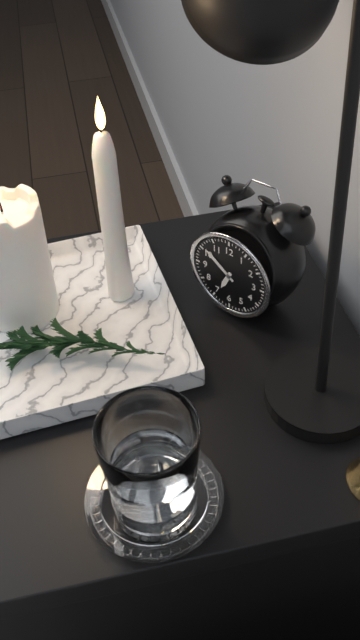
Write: 6h51
